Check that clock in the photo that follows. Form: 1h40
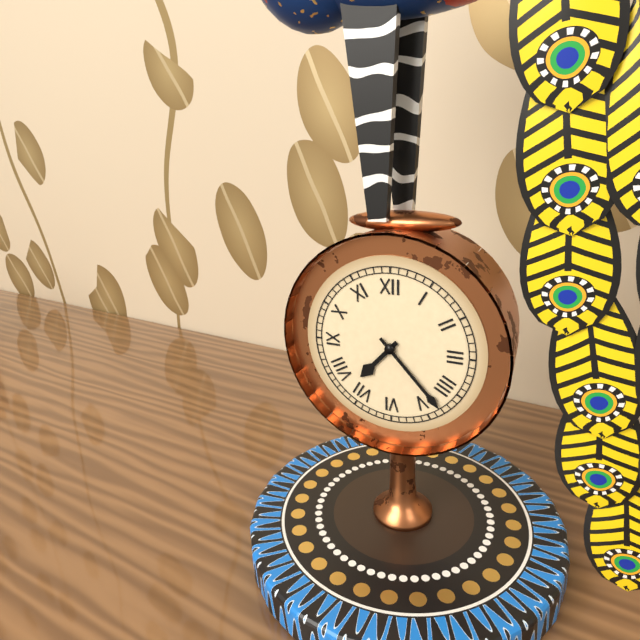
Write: 7h23
